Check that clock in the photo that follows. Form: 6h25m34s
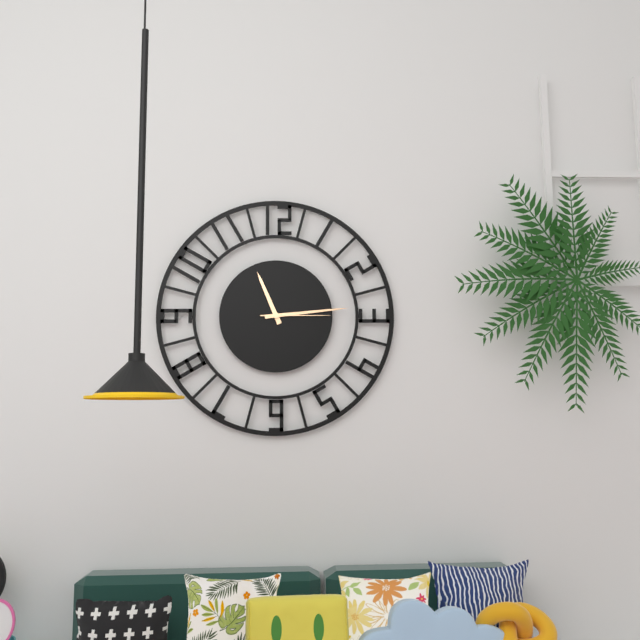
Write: 11h14m15s
